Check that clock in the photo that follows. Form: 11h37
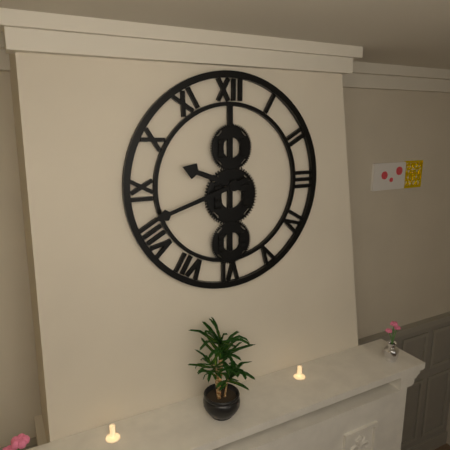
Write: 9h42
